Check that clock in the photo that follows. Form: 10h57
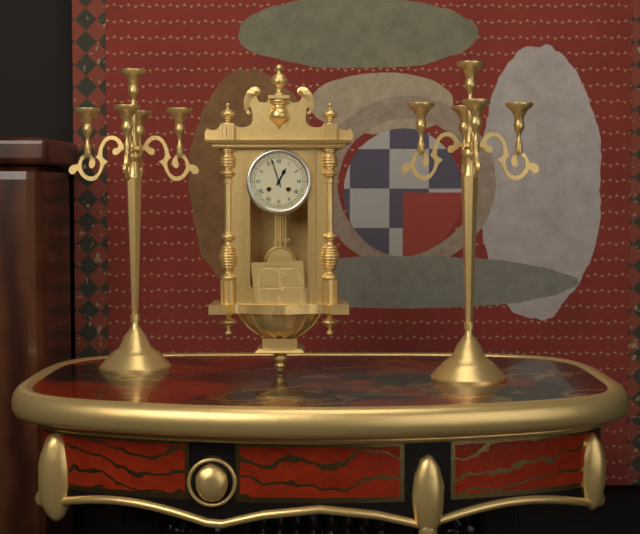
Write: 12h57
